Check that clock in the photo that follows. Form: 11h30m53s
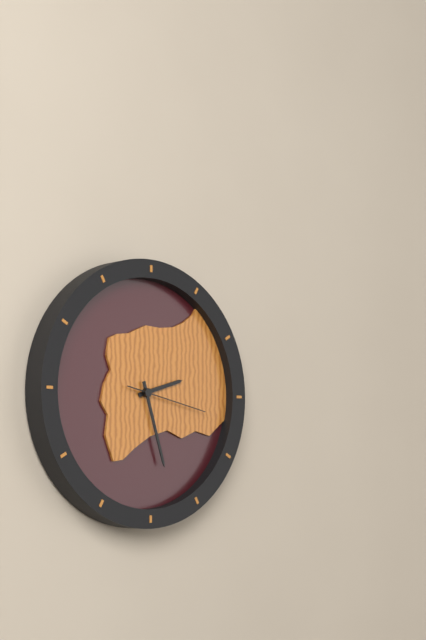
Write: 2h27m17s
